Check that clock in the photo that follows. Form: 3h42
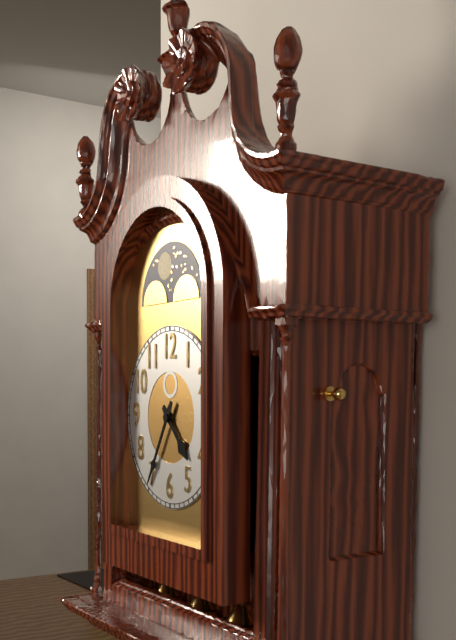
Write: 4h35
